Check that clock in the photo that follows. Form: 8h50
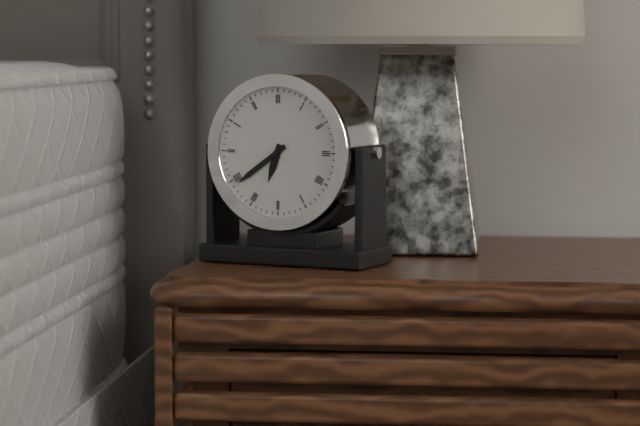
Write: 6h39
